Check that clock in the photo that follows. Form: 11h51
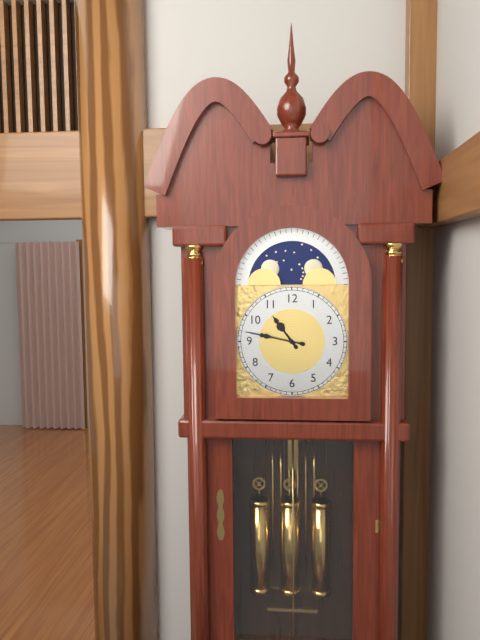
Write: 10h47
